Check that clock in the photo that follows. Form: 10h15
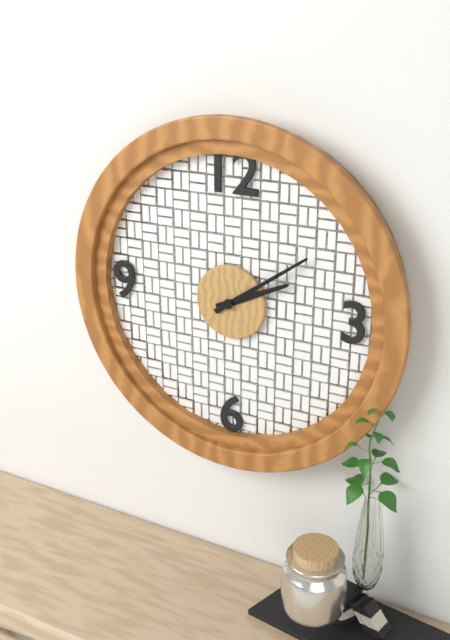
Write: 2h09
